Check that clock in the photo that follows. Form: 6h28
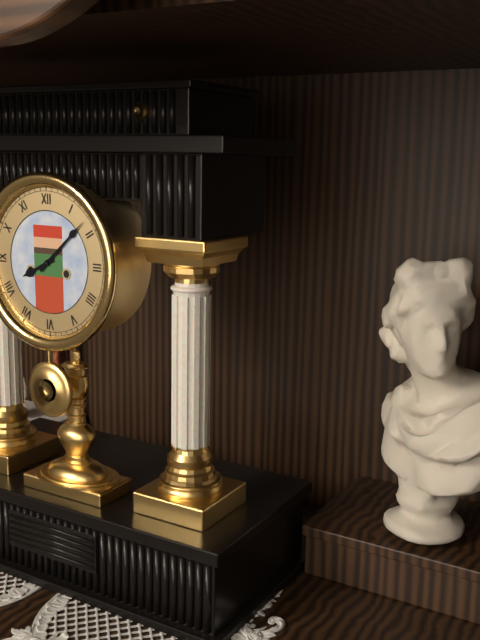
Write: 8h08
